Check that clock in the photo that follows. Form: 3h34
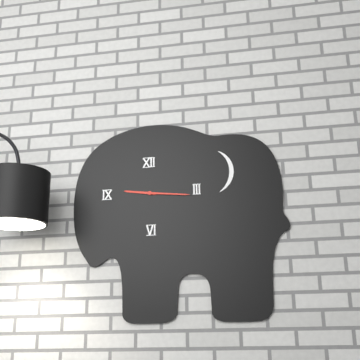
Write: 9h16
